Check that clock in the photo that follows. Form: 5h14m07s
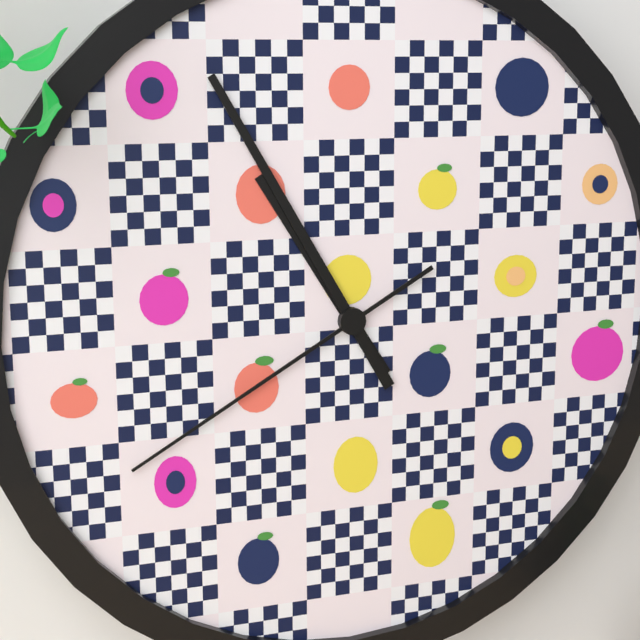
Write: 10h55m40s
